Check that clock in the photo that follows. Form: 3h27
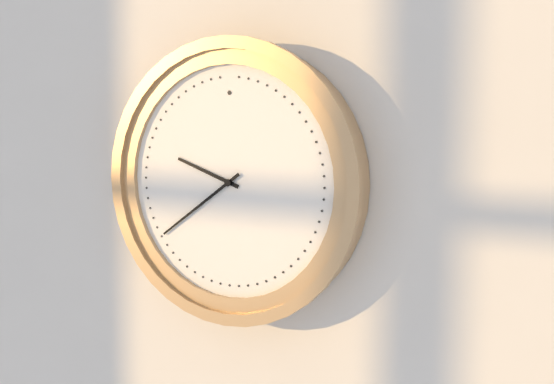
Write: 9h39
